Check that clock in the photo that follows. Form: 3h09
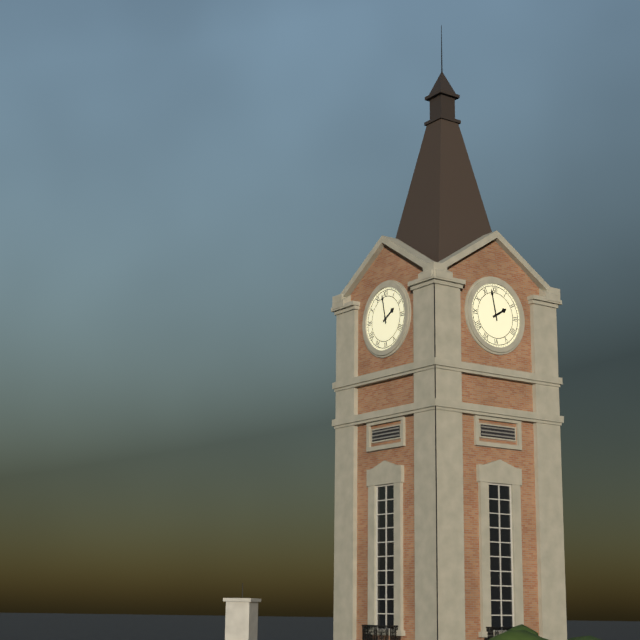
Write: 1h58
